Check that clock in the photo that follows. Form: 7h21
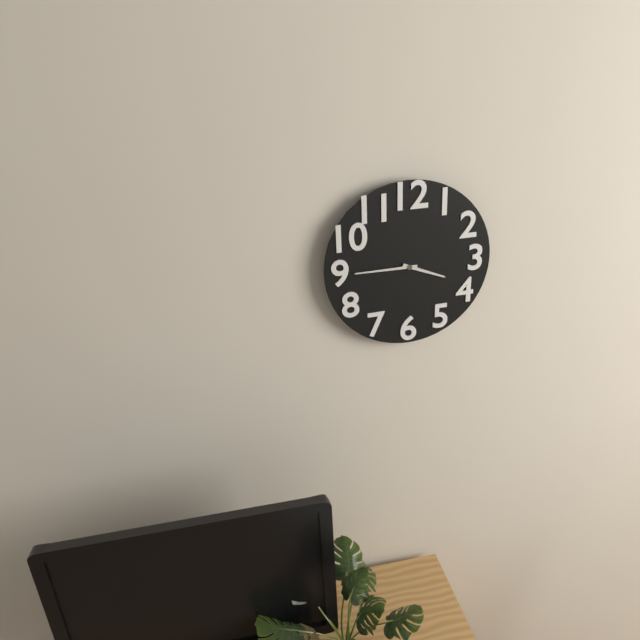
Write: 3h45
